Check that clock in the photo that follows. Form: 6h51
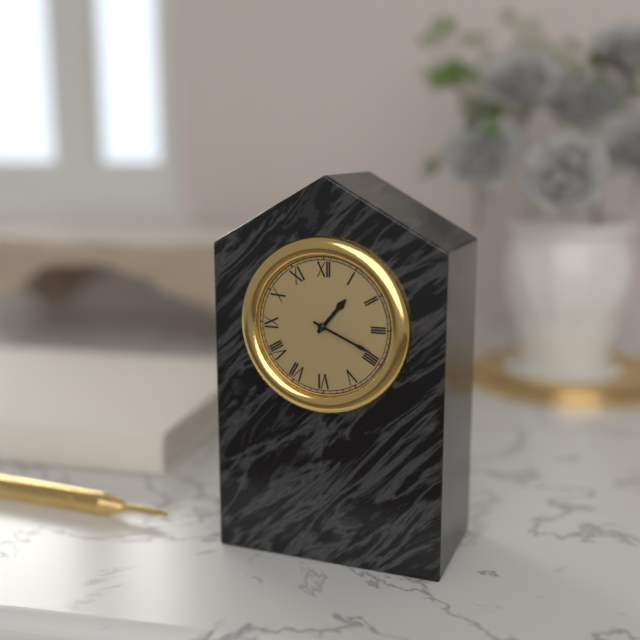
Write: 1h19
